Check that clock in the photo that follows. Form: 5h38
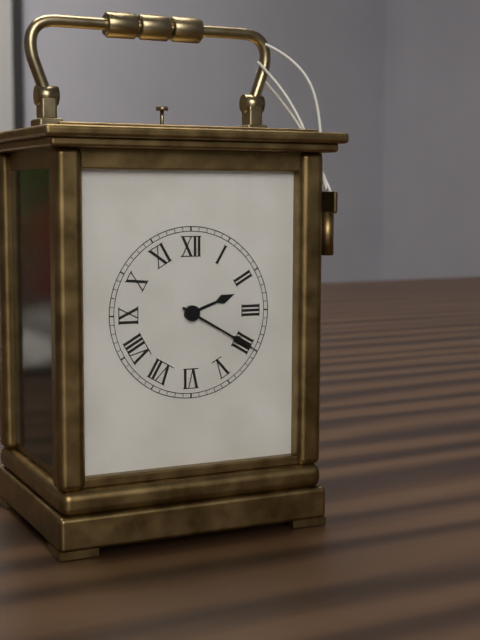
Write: 2h20
